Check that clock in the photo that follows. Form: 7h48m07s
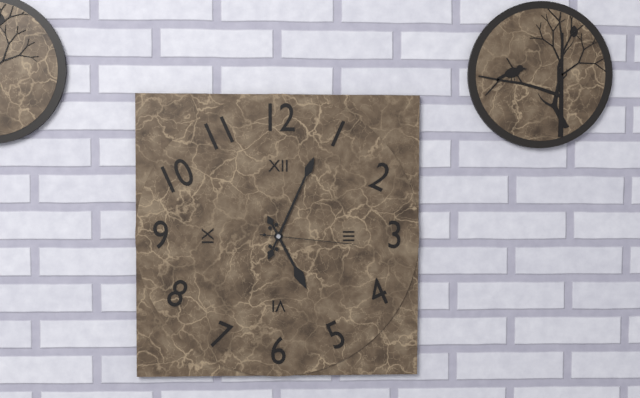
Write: 5h04m16s
